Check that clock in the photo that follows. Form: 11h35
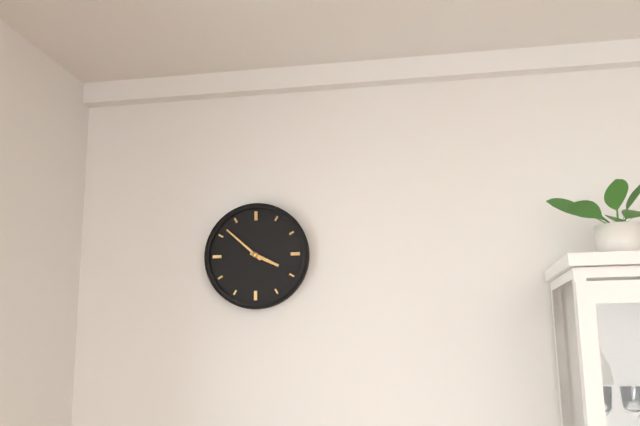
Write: 3h52
